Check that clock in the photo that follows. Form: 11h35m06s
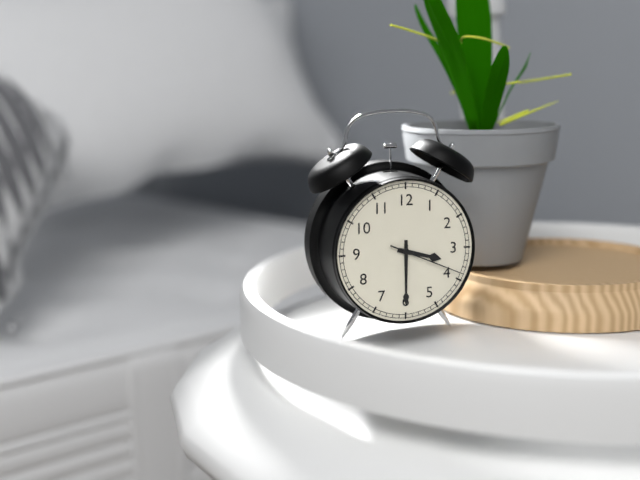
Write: 3h30m19s
